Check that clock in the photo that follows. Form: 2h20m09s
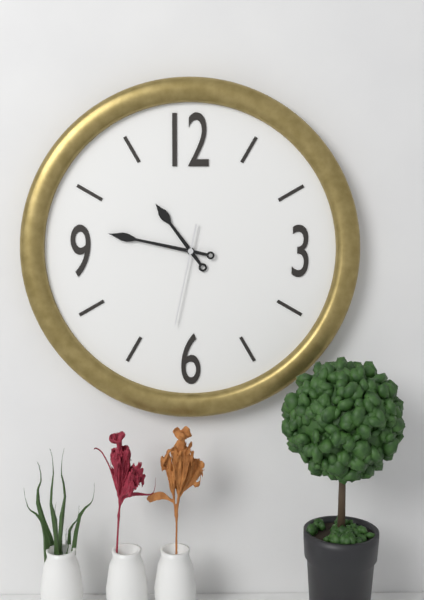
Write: 10h47m32s
